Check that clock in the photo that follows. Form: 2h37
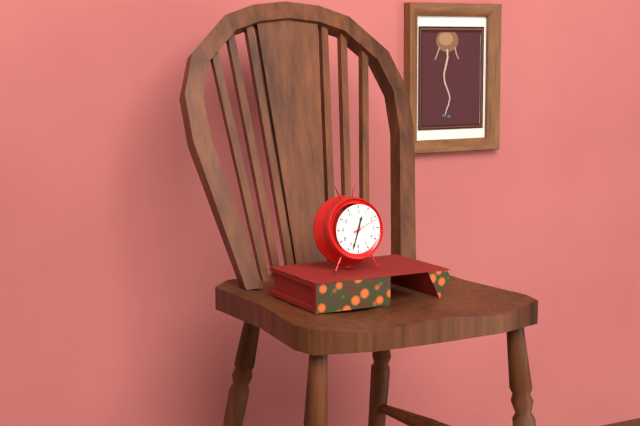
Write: 12h33
